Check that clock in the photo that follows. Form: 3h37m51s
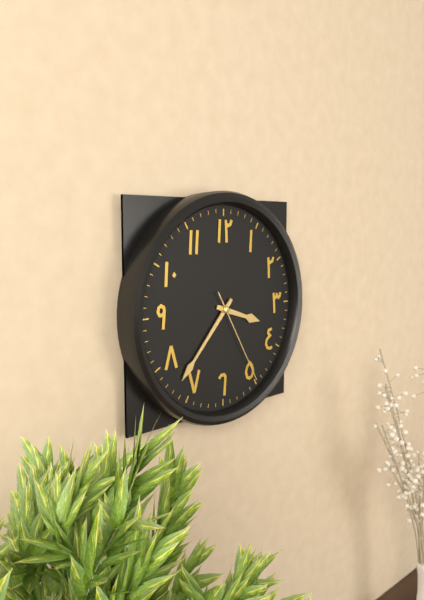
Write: 3h37m25s
